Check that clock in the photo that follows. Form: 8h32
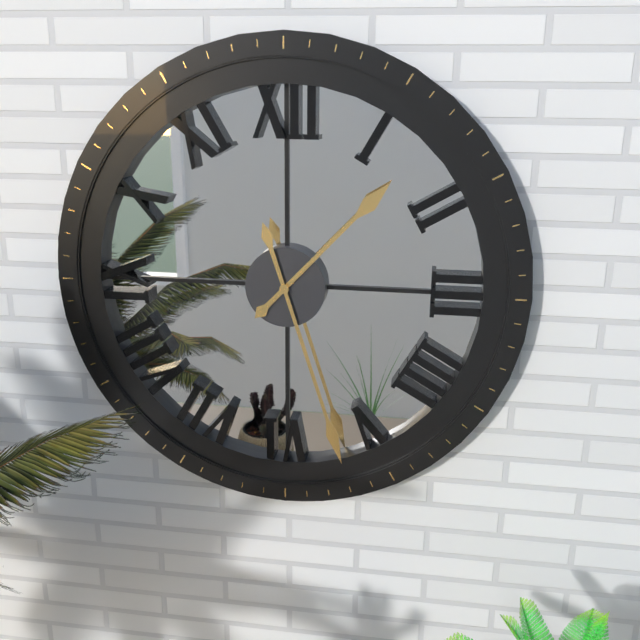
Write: 1h27
